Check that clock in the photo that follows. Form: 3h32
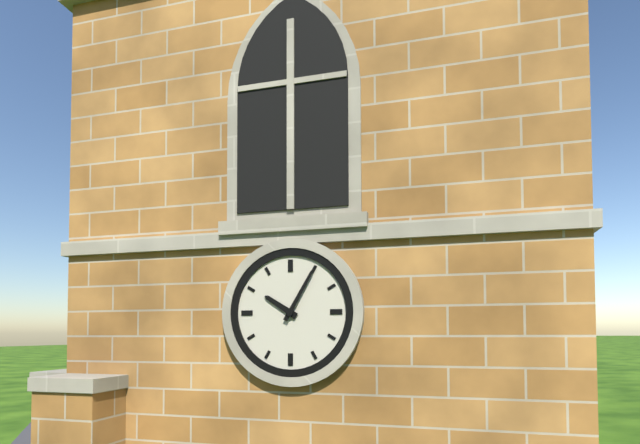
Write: 10h05
